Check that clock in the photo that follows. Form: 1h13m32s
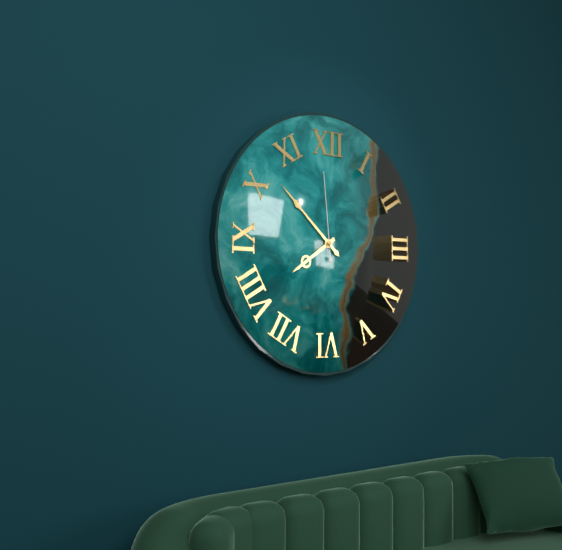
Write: 7h52m59s
